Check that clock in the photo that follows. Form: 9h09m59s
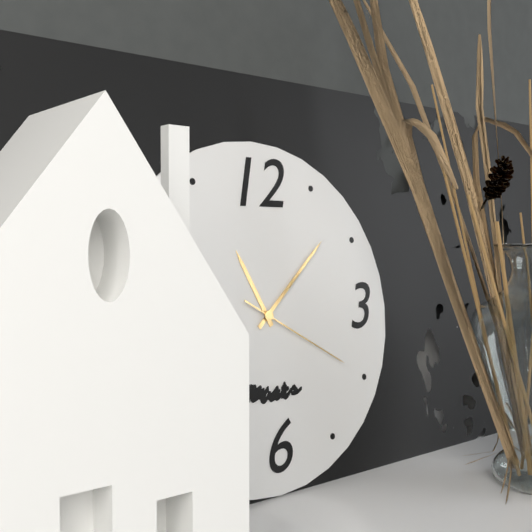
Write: 11h08m20s
